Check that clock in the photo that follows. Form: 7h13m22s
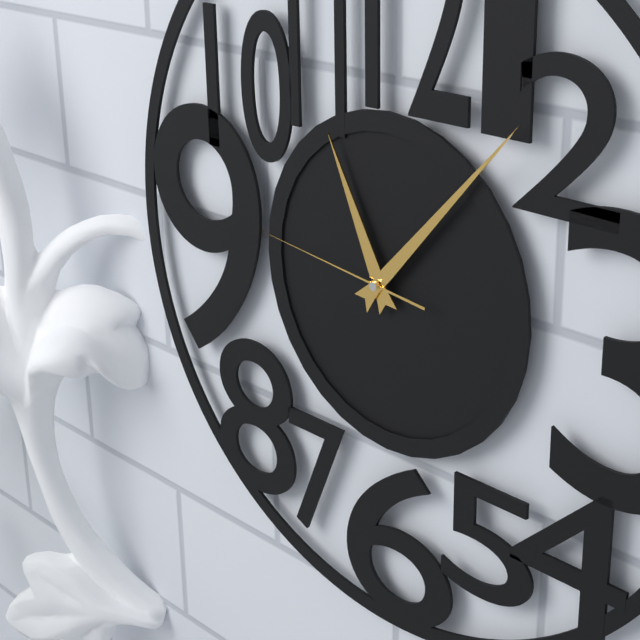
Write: 11h07m46s
